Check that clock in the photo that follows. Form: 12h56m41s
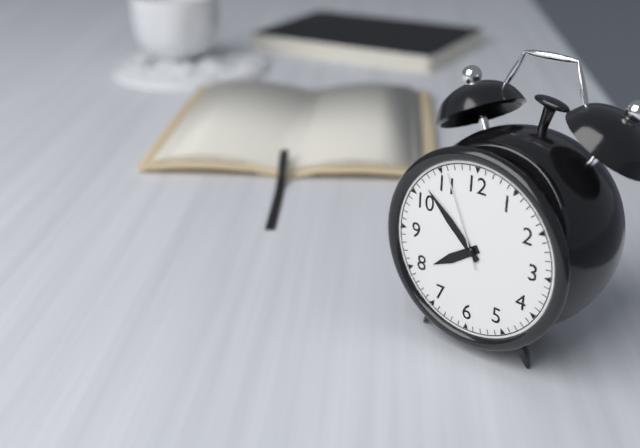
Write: 7h52m56s
